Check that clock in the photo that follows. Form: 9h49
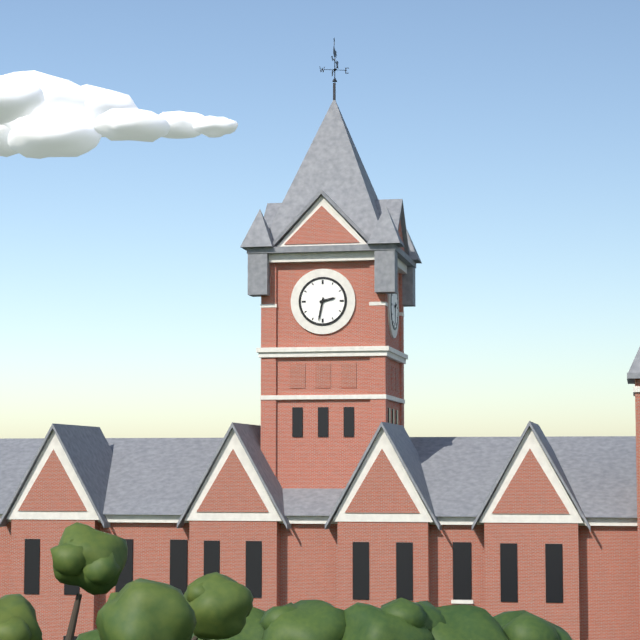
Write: 2h32
